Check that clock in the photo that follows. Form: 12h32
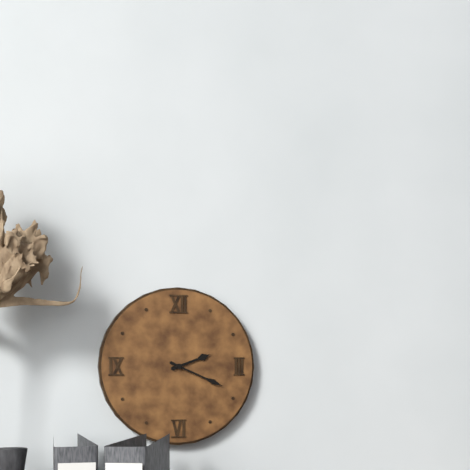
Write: 2h19
